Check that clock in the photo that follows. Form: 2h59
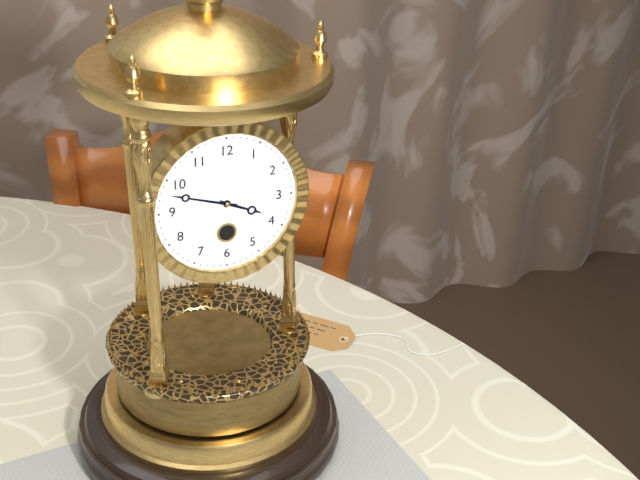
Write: 3h48
